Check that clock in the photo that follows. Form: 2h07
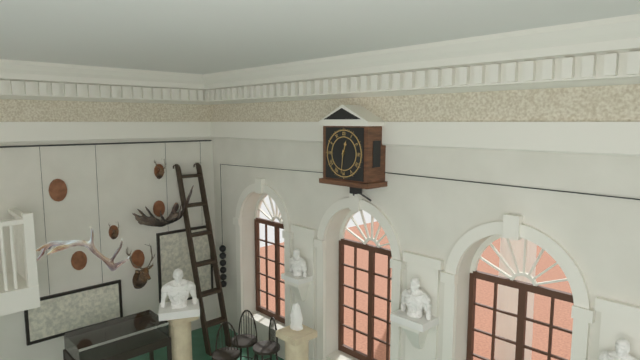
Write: 12h31
